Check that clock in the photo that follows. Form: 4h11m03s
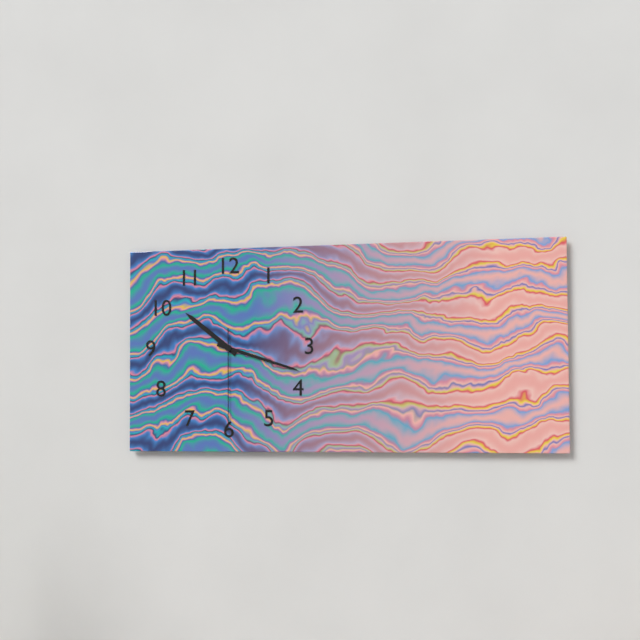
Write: 10h18m30s
